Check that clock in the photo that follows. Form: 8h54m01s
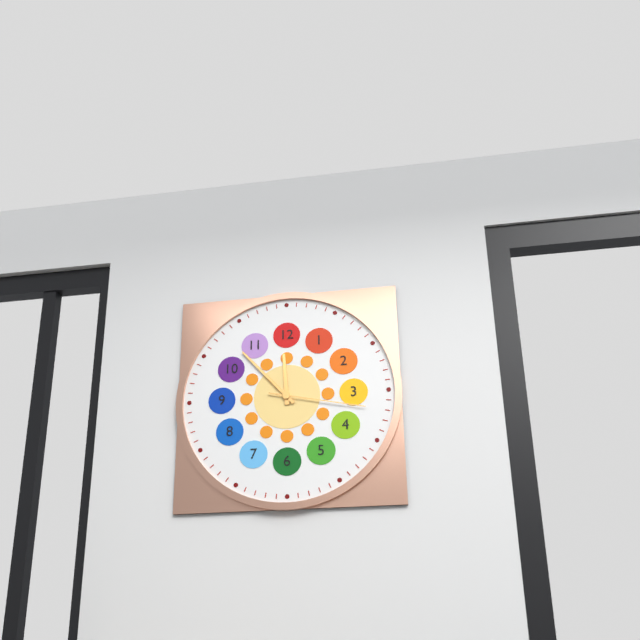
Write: 11h53m17s
